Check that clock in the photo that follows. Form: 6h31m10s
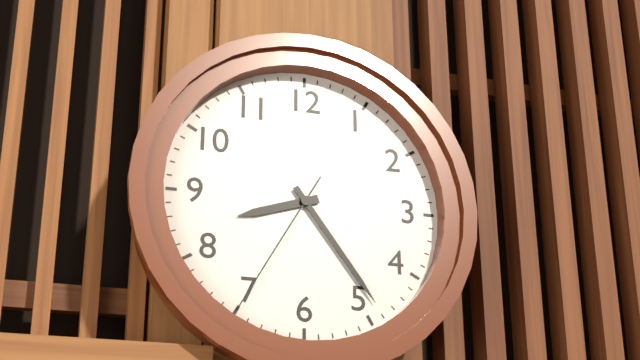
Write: 8h24m35s
